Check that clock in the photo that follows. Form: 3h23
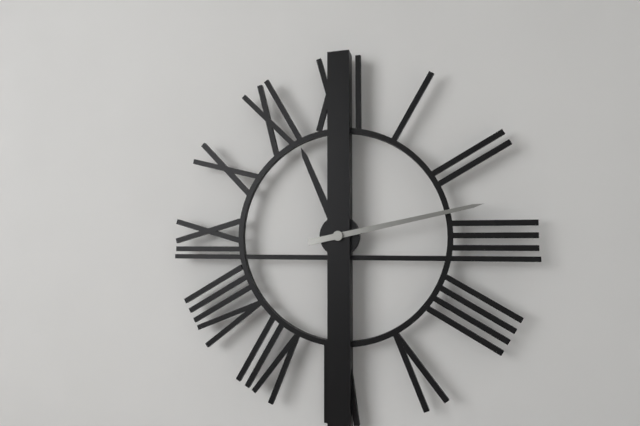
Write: 11h13
